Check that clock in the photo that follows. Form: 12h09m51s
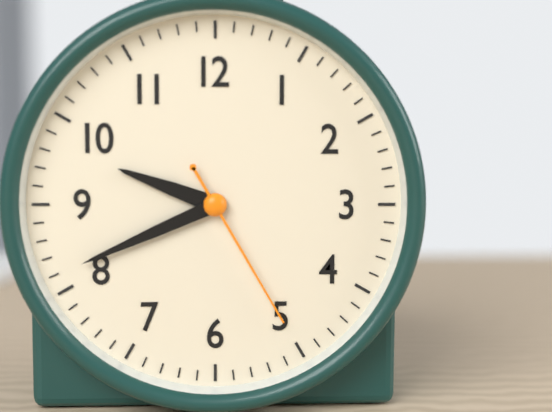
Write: 9h41m25s
